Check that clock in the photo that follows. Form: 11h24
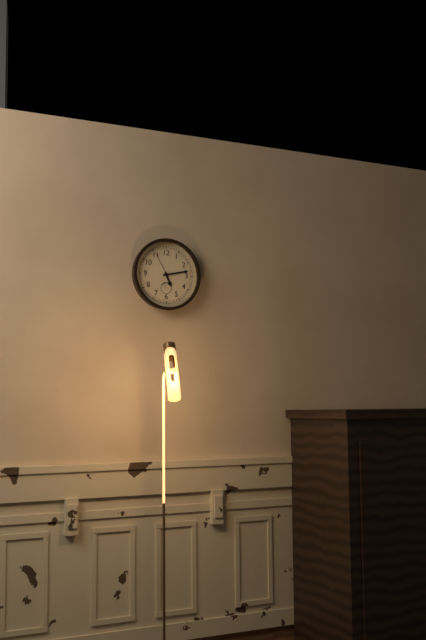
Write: 5h13
